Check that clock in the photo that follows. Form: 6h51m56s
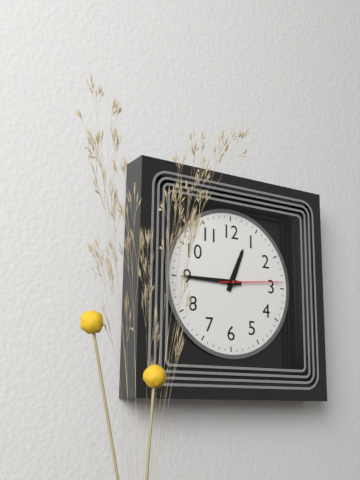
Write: 12h45m14s
